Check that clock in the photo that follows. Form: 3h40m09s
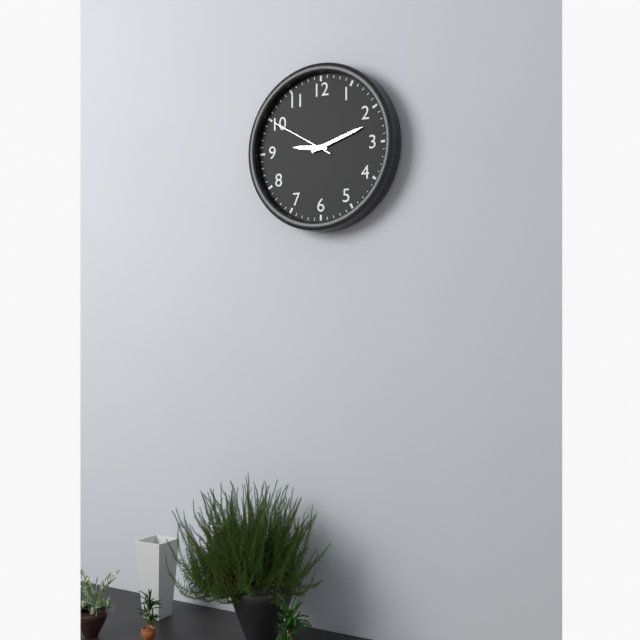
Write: 9h12m50s
